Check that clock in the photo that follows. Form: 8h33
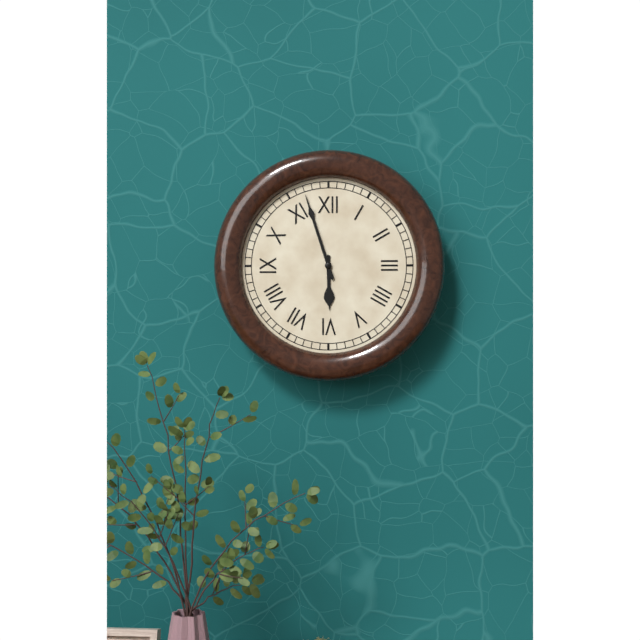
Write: 5h57
